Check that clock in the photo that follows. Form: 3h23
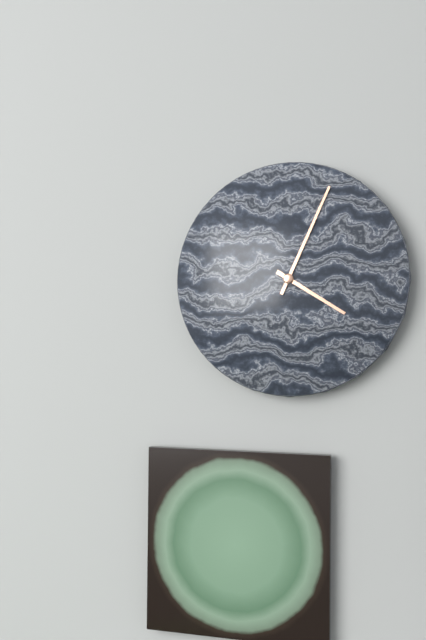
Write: 4h04
